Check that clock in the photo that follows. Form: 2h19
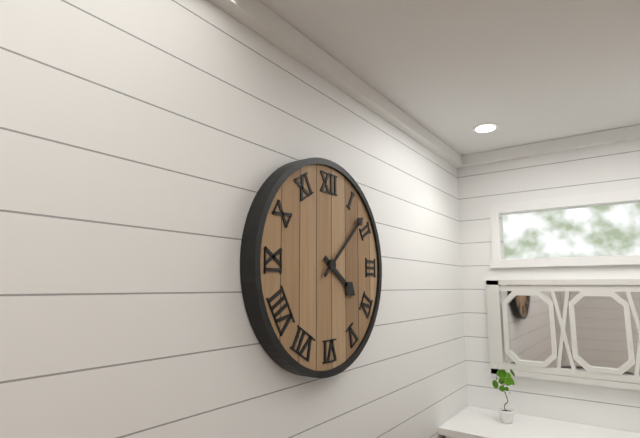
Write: 4h08
